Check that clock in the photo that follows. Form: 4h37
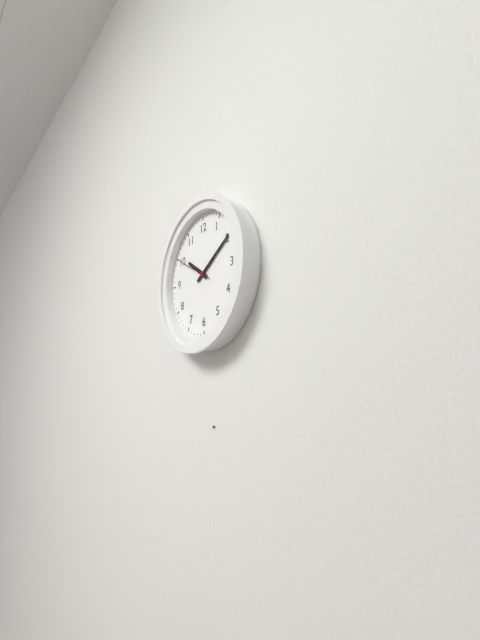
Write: 10h10
